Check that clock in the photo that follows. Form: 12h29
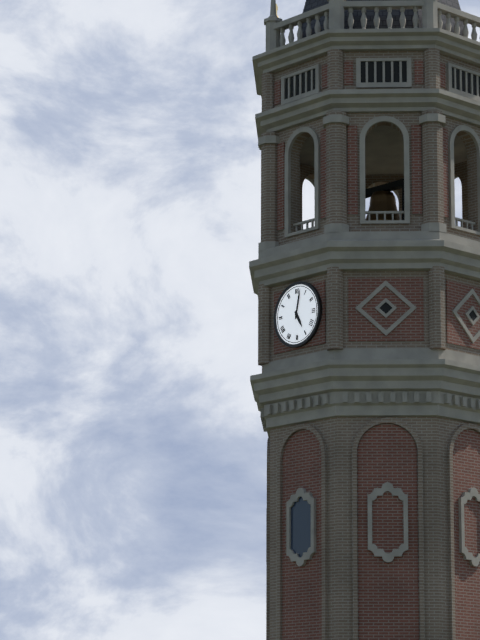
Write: 5h02
